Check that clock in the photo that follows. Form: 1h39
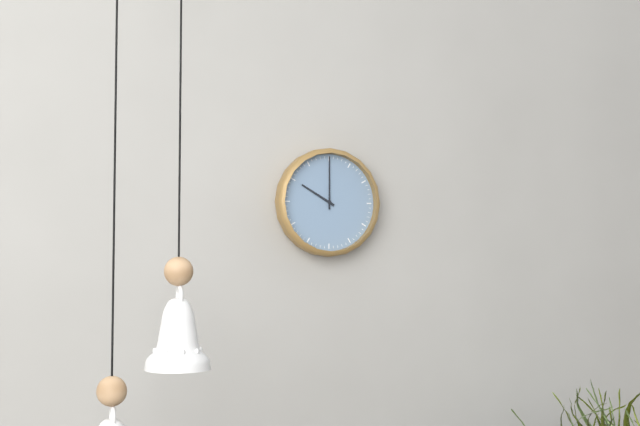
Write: 10h00
